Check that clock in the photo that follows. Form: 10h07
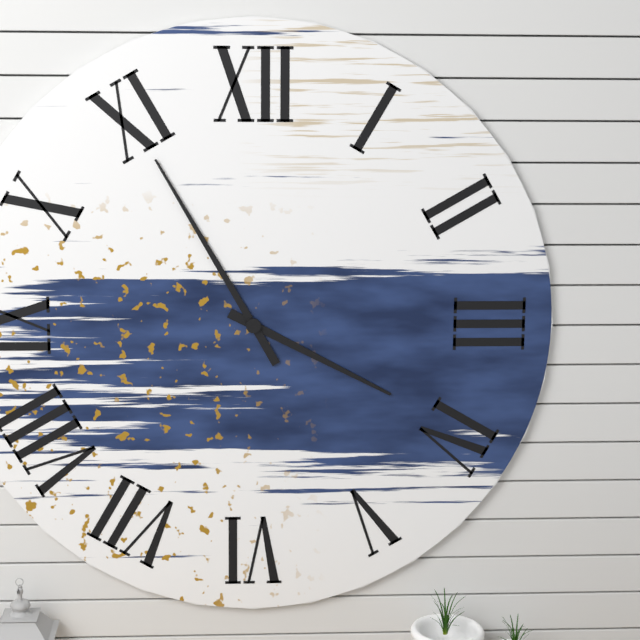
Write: 3h55
